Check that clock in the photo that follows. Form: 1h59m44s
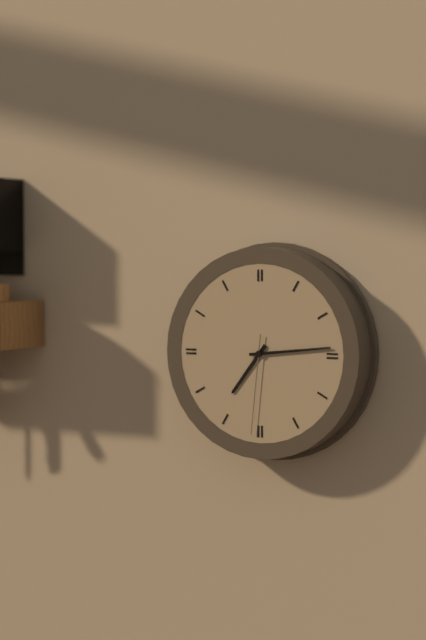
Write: 7h14m31s
